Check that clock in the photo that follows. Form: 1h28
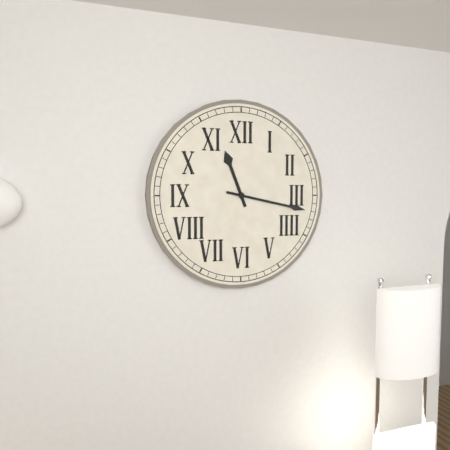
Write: 11h17
